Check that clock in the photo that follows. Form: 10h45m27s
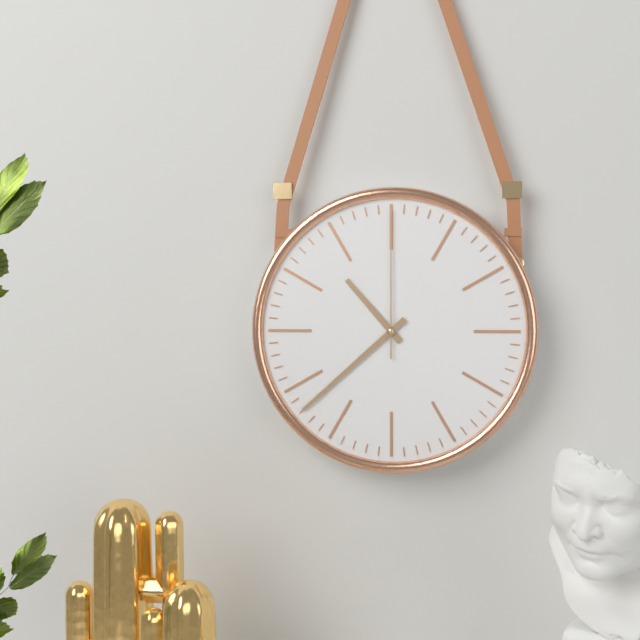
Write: 10h38m00s
